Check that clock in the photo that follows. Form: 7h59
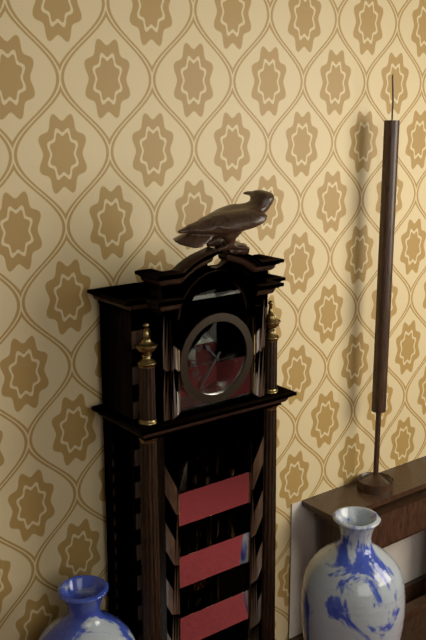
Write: 10h36
